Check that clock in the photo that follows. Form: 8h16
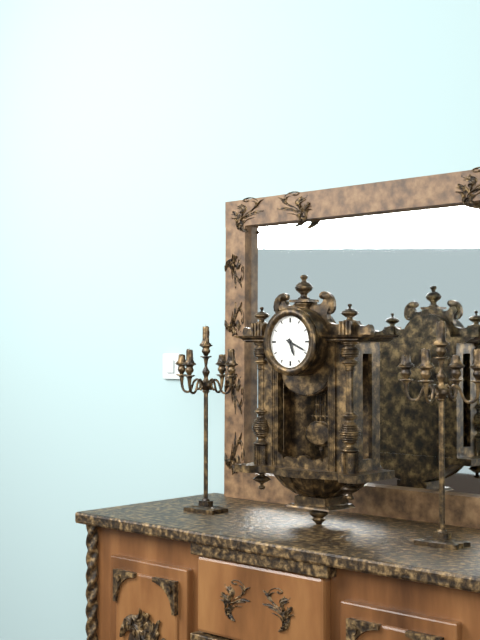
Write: 5h19
